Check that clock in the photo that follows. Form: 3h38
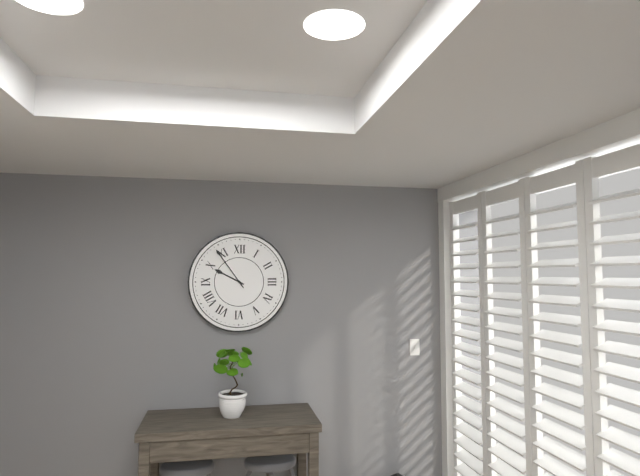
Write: 9h54
